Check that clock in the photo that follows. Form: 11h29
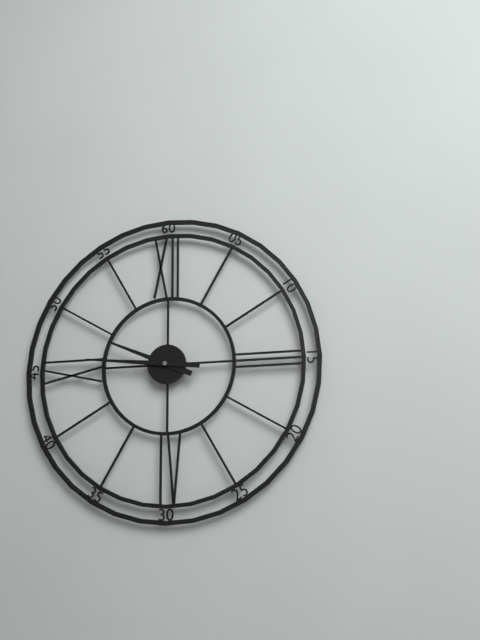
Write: 9h46
